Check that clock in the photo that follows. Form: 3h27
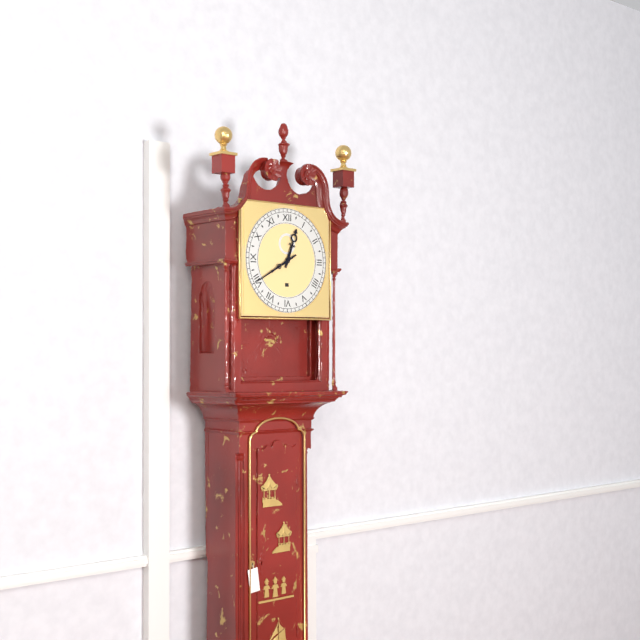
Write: 12h40
